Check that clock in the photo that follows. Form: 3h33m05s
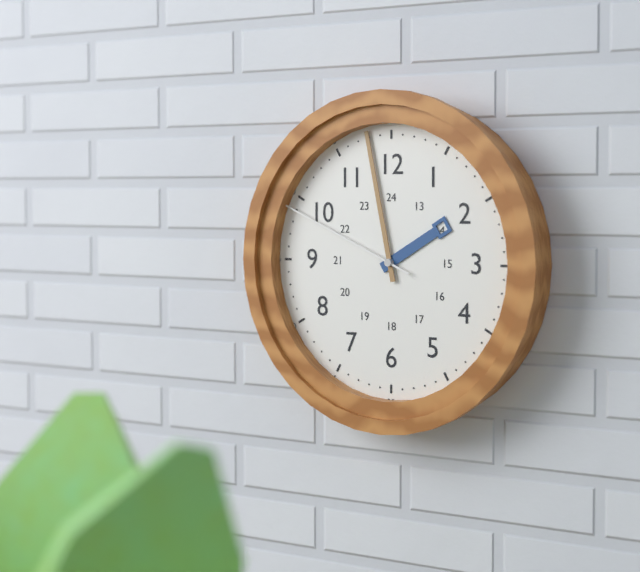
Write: 1h58m49s
